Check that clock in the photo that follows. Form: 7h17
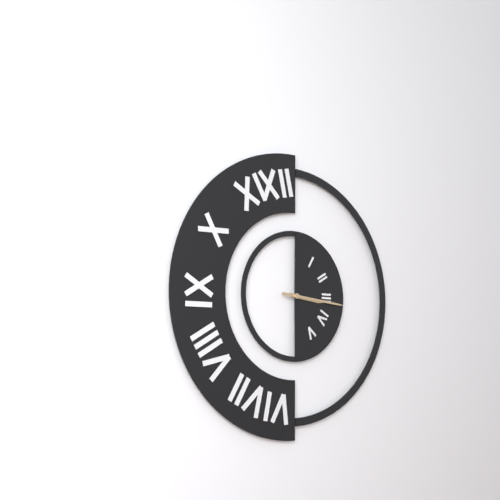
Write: 3h16
